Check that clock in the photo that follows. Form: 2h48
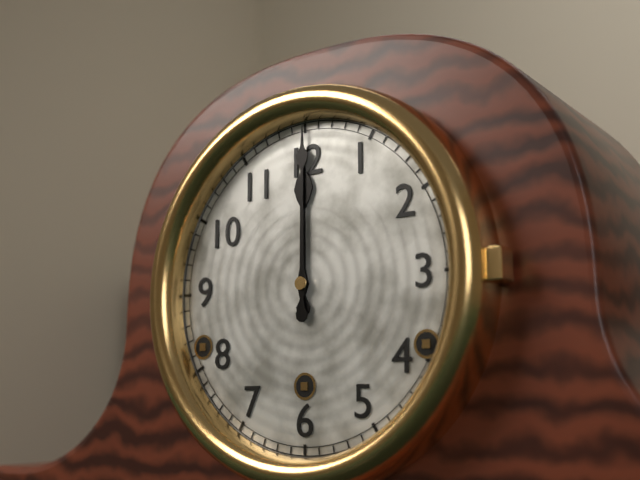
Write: 12h00
